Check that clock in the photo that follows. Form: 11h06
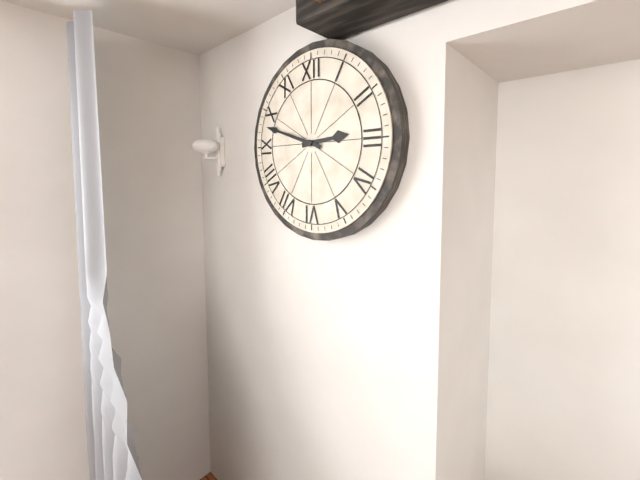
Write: 2h48
